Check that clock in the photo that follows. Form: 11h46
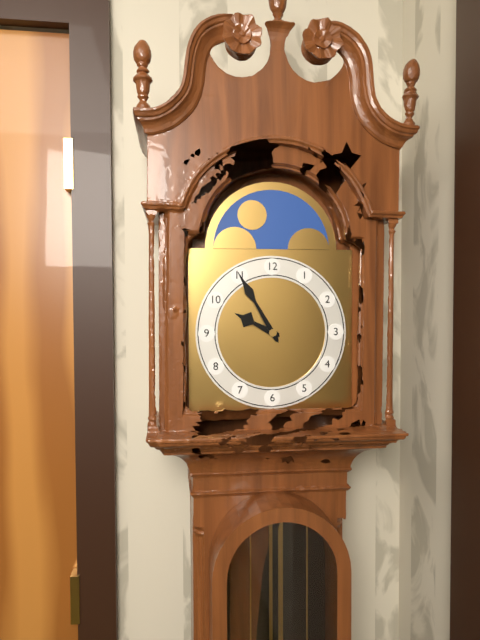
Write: 9h55
